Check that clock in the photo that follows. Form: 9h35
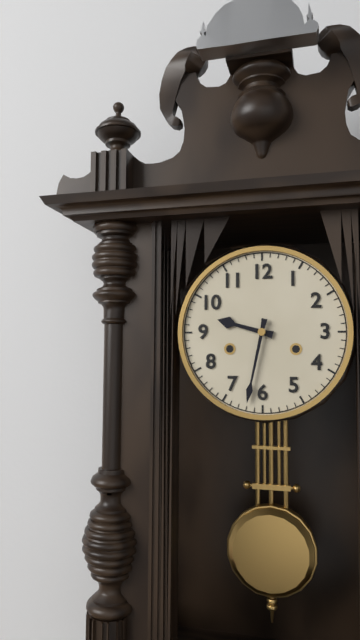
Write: 9h32
